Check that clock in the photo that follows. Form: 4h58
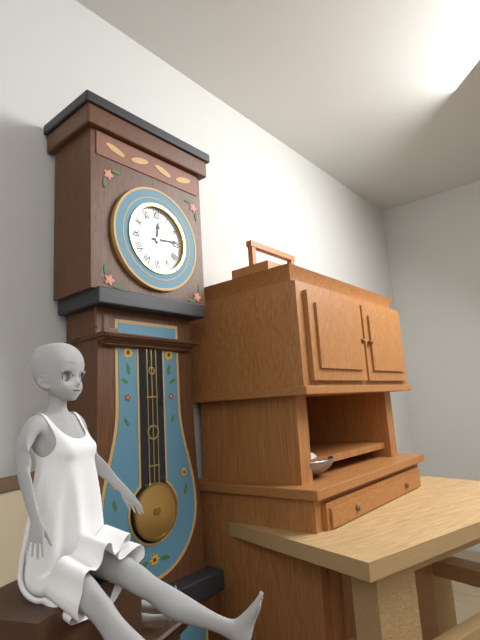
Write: 12h14
